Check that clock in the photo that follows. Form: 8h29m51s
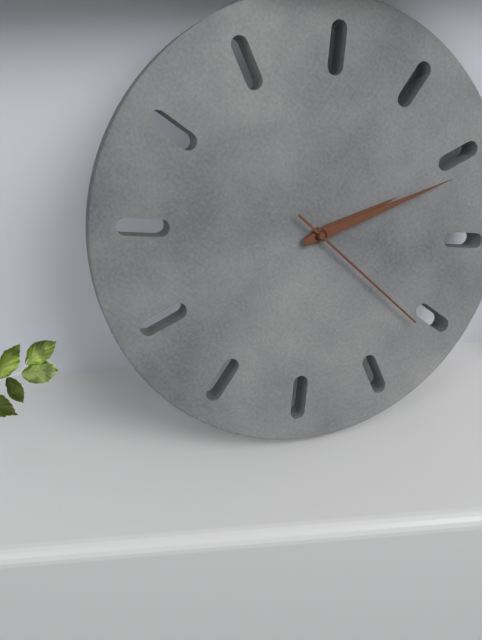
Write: 1h06m16s
